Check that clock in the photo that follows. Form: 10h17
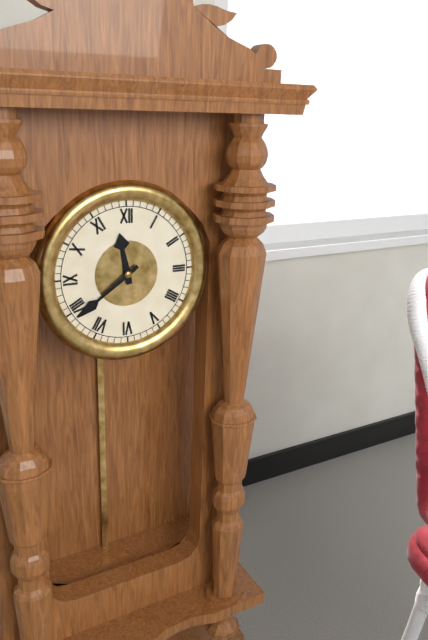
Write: 11h39
